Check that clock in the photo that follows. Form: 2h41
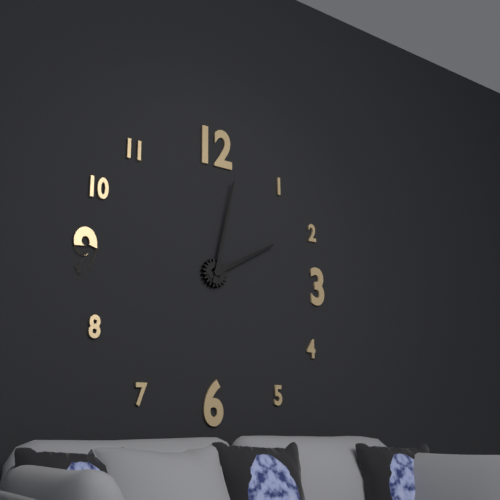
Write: 2h02
